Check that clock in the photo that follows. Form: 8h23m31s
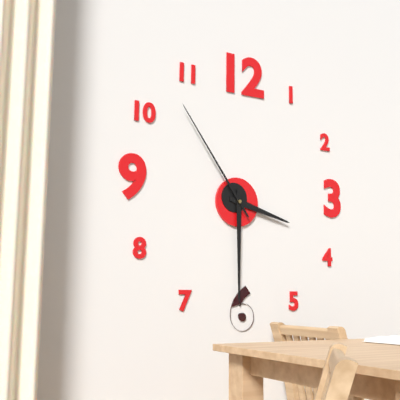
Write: 3h30m54s
